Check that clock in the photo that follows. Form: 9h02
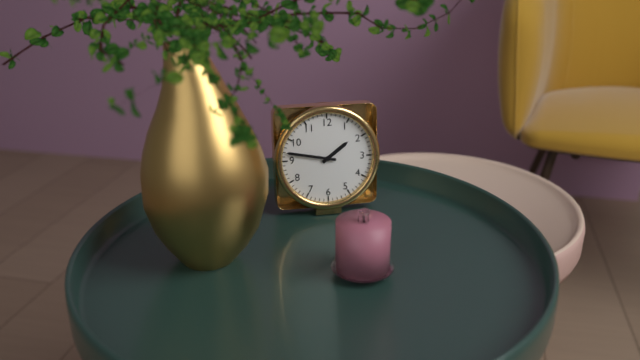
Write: 1h47
